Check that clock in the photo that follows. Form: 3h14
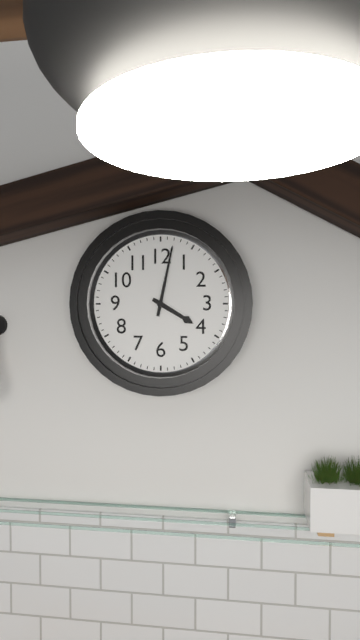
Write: 4h02
